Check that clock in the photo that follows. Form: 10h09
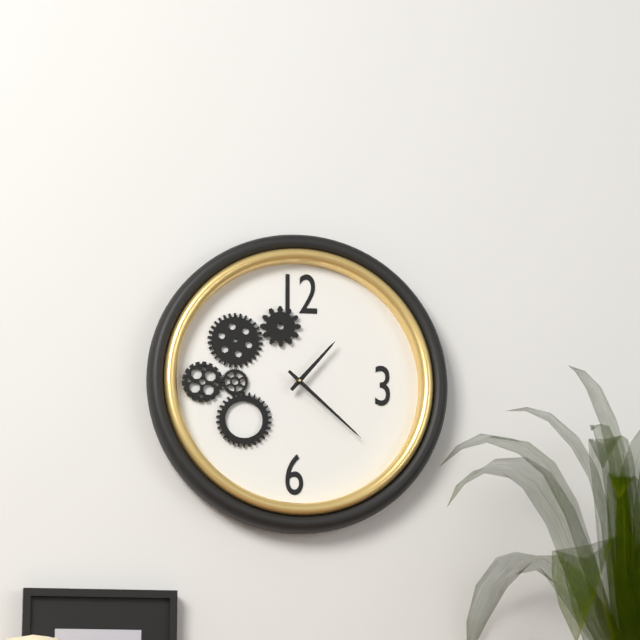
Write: 1h22
